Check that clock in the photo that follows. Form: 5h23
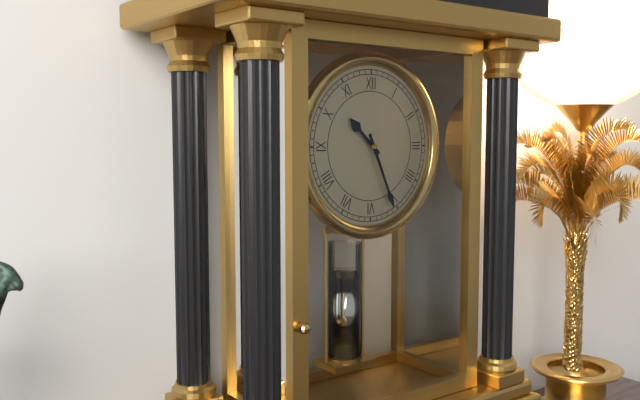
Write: 10h26
